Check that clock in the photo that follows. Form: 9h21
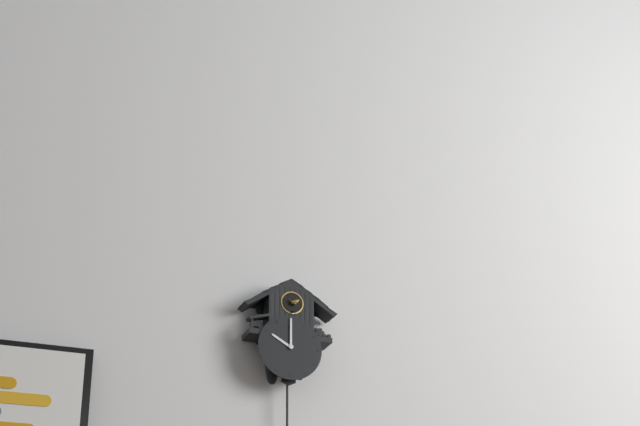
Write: 10h00
